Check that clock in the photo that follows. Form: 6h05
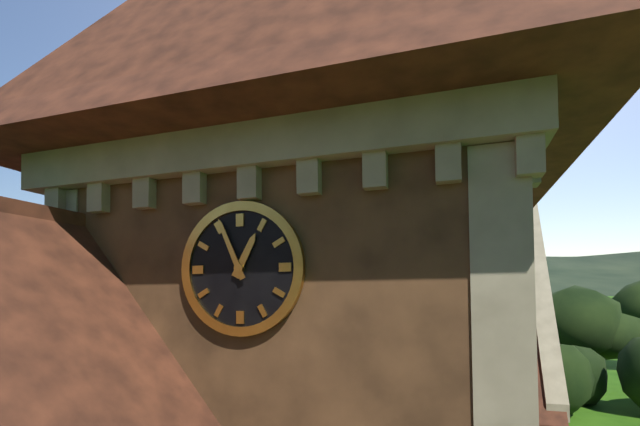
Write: 12h56
